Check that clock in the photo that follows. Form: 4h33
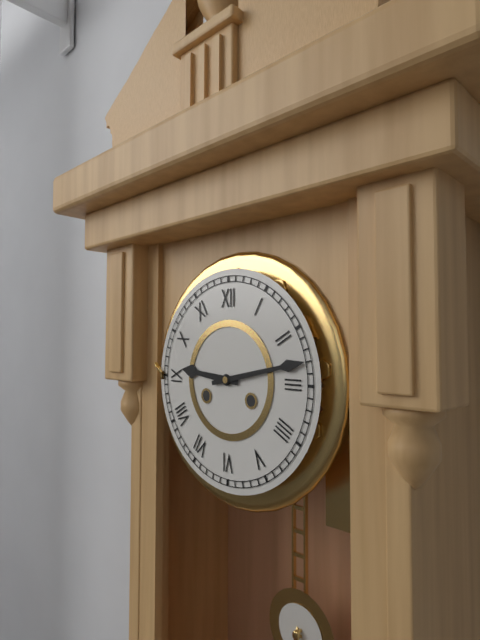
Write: 9h13
